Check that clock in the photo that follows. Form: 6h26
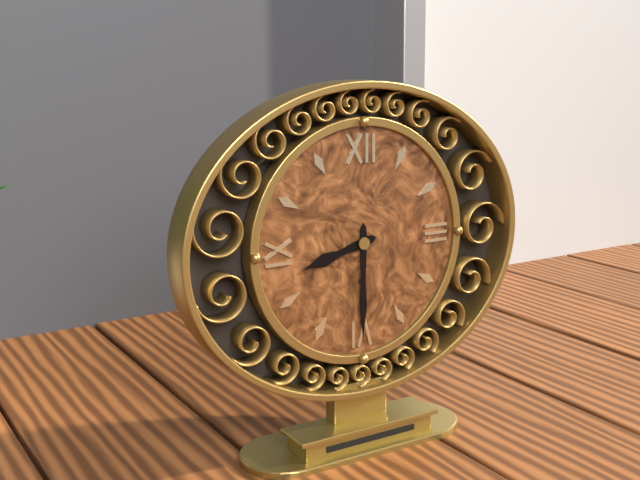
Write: 8h30
